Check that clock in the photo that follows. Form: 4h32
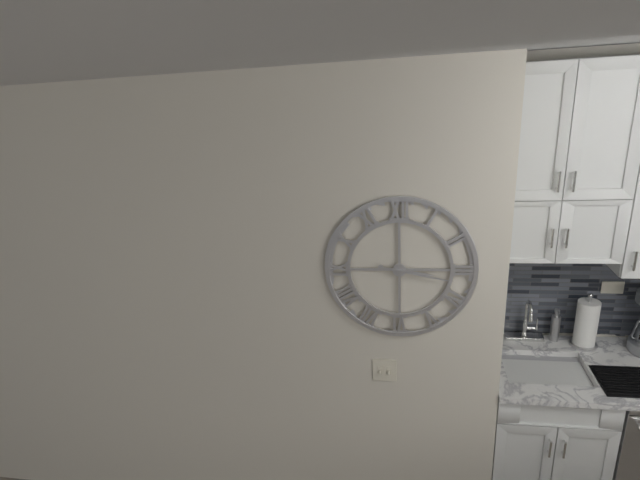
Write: 3h17
